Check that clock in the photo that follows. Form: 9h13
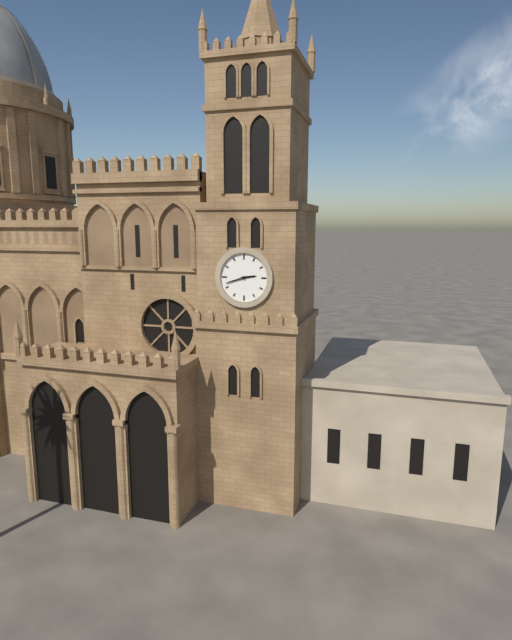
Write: 2h42
